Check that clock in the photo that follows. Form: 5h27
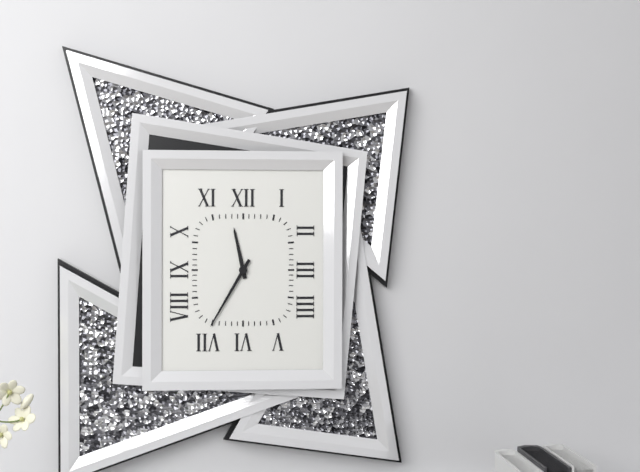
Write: 11h35
